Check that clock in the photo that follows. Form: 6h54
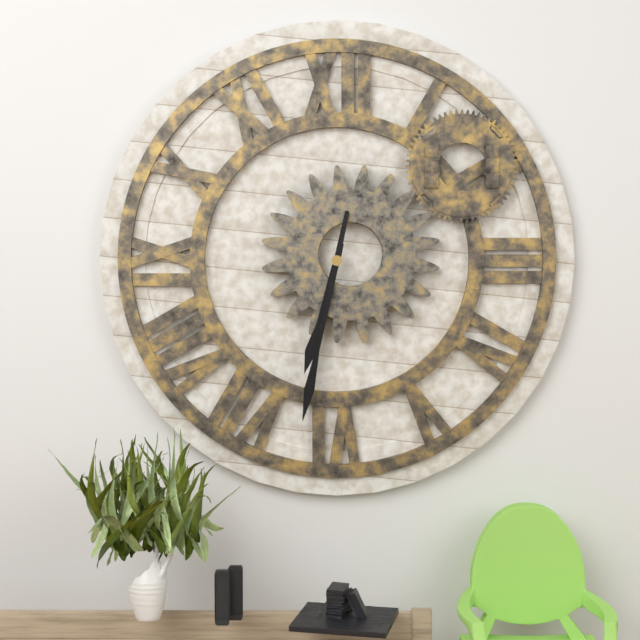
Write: 6h32
